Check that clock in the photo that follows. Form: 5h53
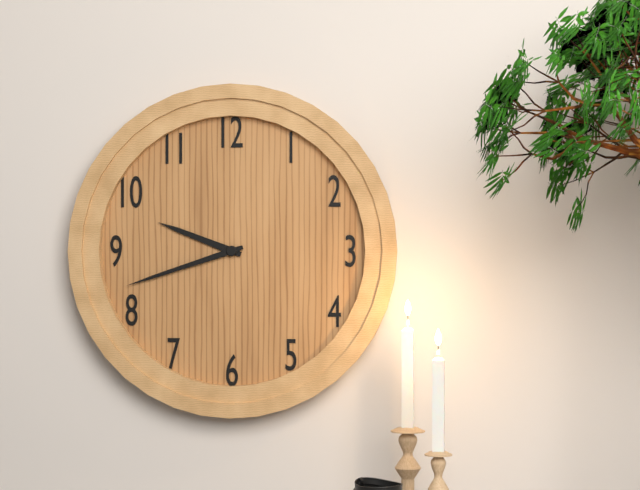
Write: 9h42
